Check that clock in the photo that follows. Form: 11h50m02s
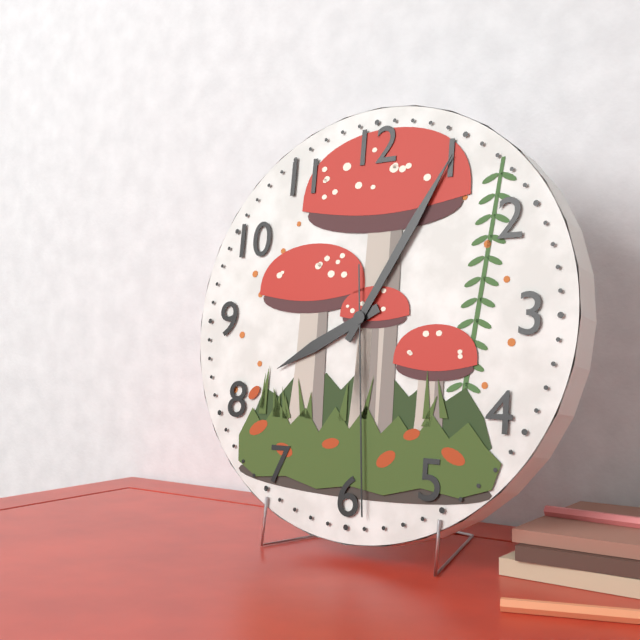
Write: 8h05m29s
